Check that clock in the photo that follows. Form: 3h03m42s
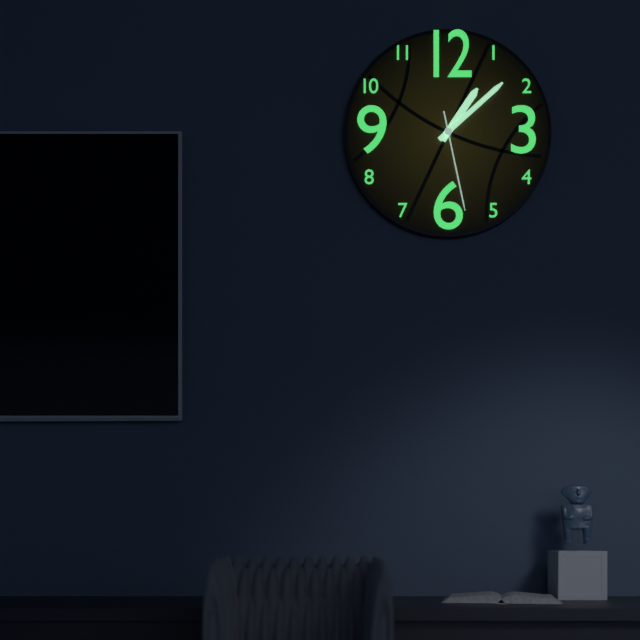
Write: 1h08m28s
